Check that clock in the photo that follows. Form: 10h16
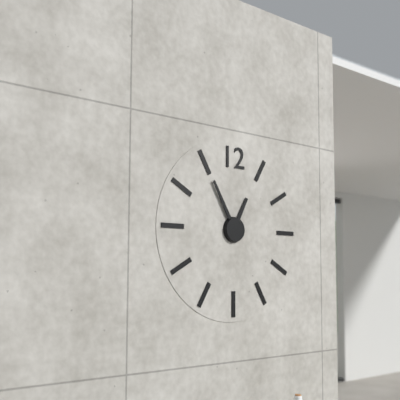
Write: 12h55
